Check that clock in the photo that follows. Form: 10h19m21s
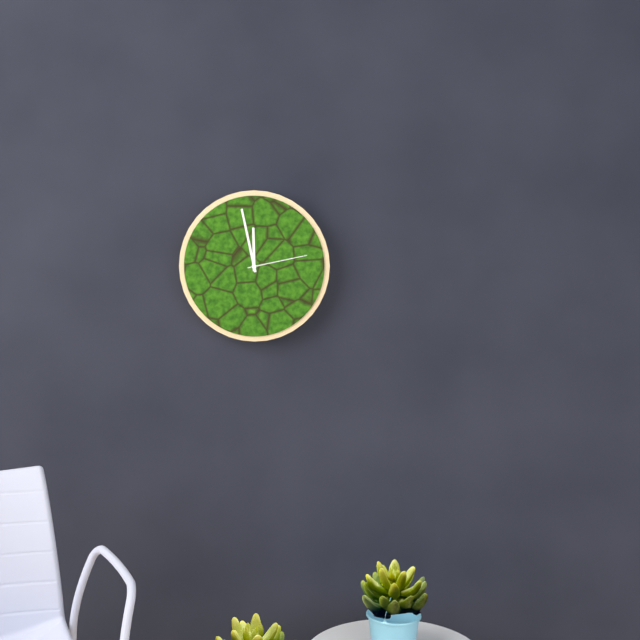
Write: 11h58m13s
